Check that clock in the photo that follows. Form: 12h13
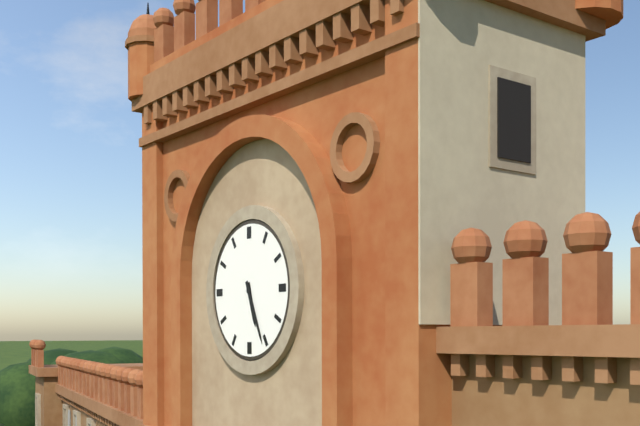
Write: 5h26
